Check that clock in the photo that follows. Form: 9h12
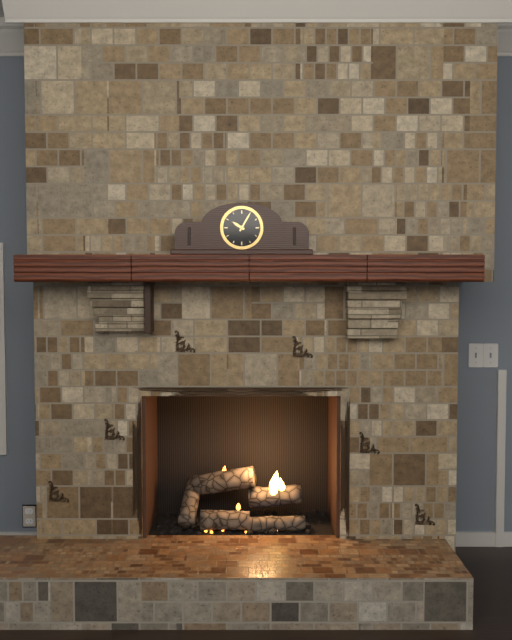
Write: 10h05
